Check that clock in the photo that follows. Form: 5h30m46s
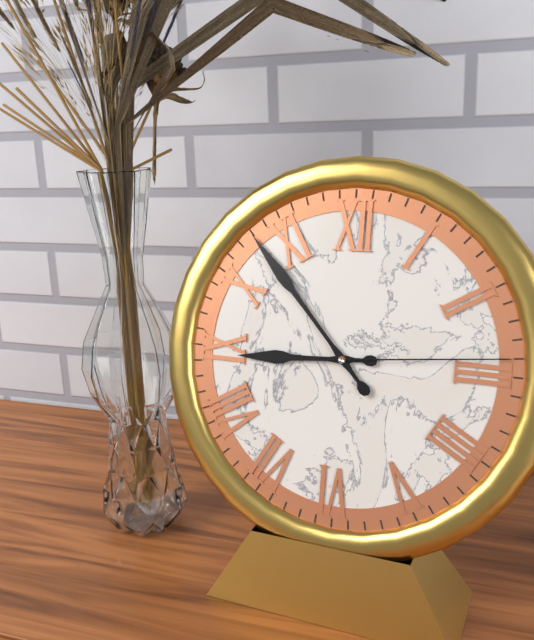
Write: 8h53m14s
